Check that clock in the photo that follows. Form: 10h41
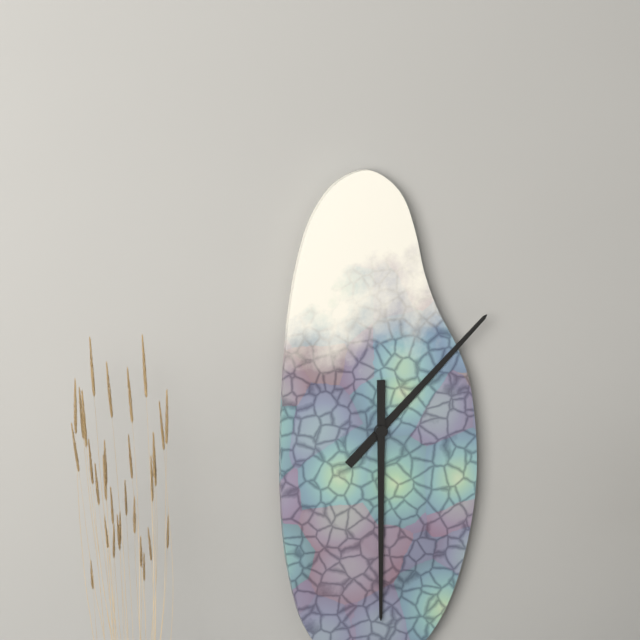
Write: 1h30
